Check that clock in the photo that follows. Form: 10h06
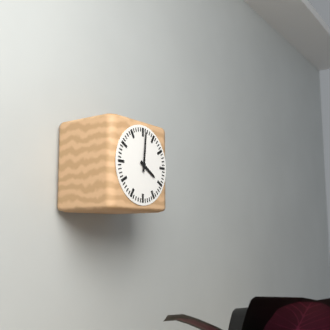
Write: 4h01
